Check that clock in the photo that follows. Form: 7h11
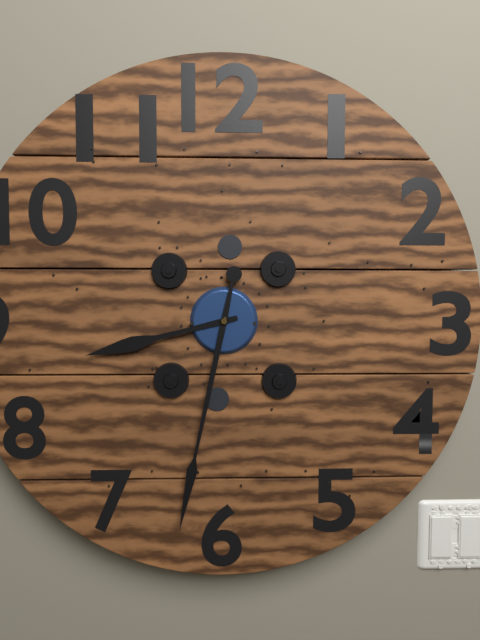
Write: 8h32
